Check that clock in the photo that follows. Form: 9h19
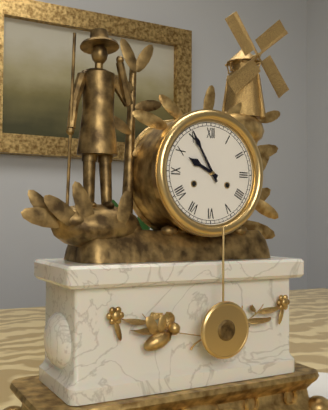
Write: 9h55
